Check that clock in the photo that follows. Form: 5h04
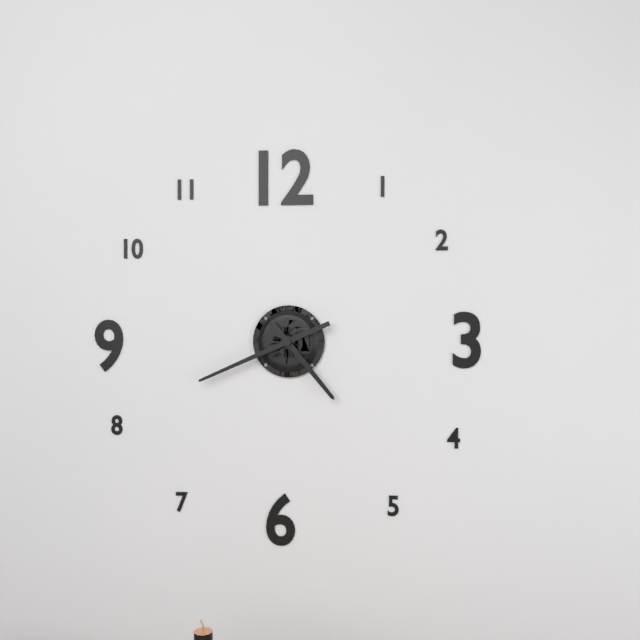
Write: 4h41
